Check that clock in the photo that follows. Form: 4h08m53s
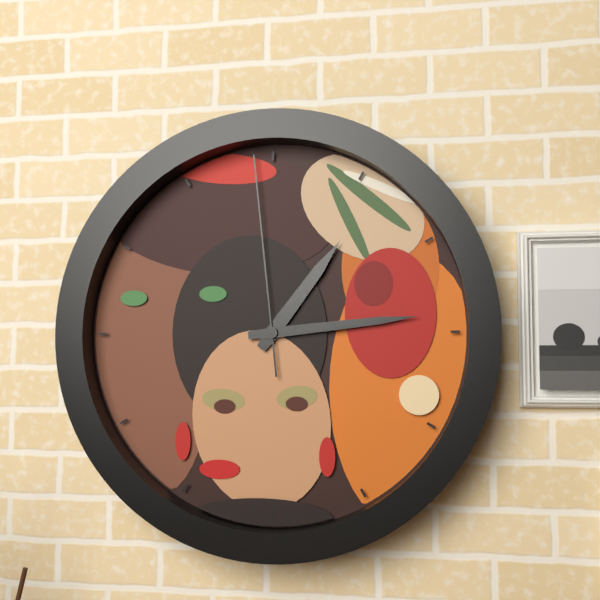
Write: 1h14m59s
